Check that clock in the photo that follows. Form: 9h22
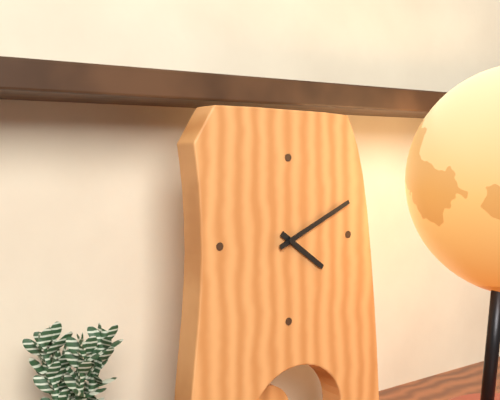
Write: 4h11
